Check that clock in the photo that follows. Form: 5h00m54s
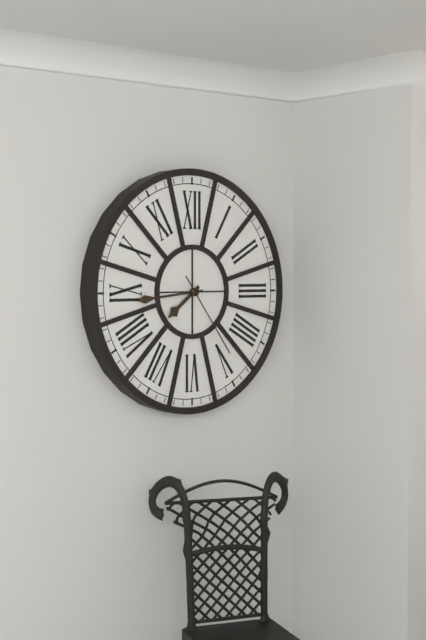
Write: 7h44m24s
